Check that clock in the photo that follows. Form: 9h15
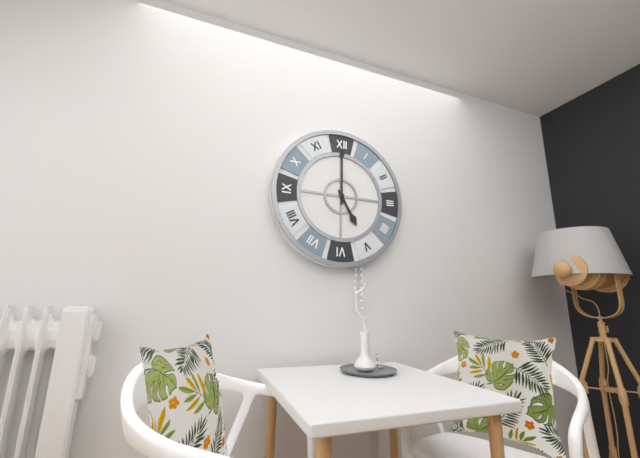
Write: 5h00
